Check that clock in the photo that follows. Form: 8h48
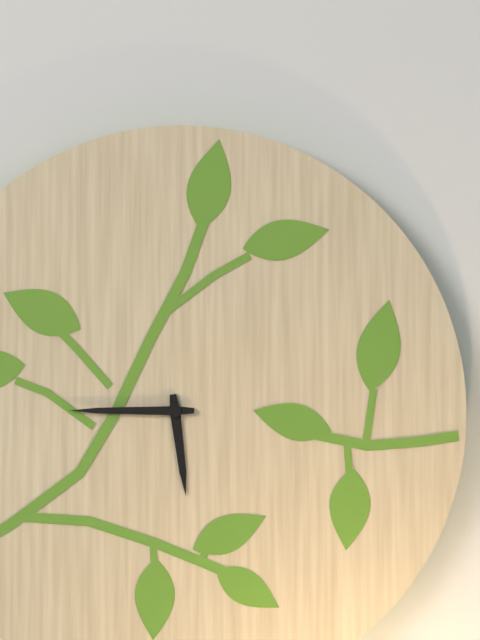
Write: 5h45
